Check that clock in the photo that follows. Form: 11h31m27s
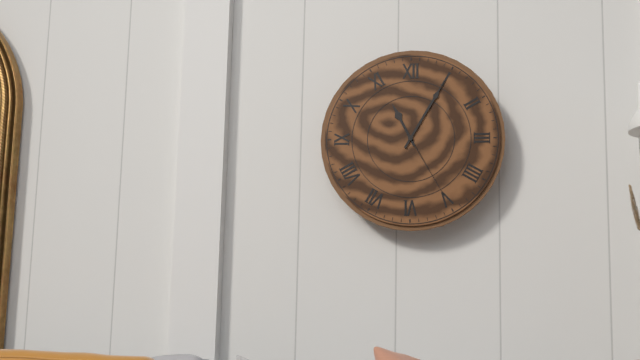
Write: 11h05m25s
